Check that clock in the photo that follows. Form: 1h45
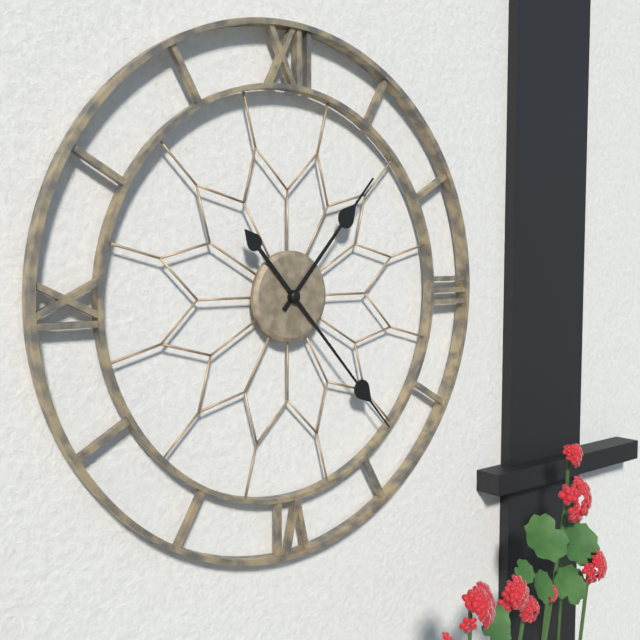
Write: 1h23
